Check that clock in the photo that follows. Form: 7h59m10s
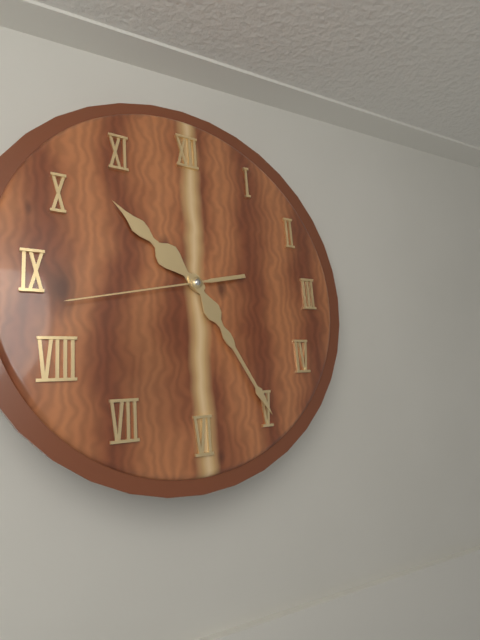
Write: 10h25m43s
